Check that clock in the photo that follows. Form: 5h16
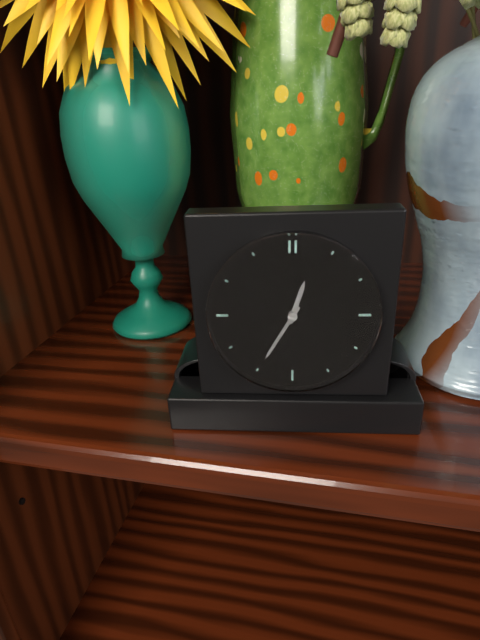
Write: 12h35
